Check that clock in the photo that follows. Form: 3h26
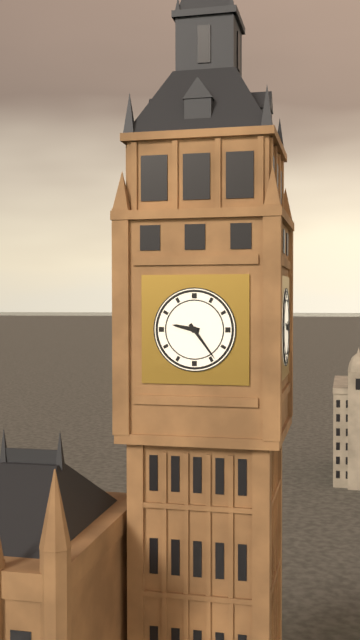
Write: 9h24
